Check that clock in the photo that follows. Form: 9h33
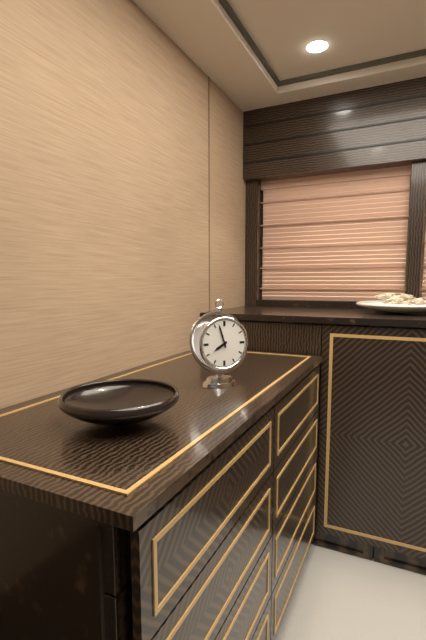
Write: 7h57
